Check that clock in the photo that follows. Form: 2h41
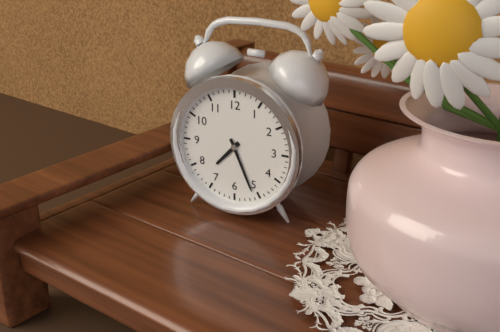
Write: 7h26
